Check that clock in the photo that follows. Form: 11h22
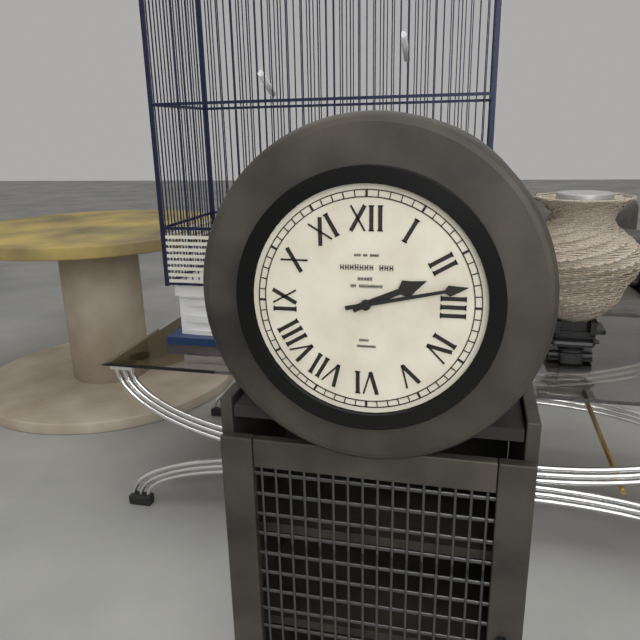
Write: 2h13
